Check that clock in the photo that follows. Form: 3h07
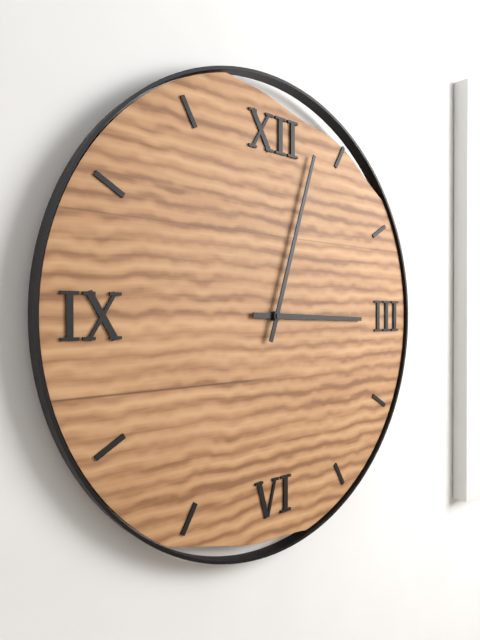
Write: 3h03
